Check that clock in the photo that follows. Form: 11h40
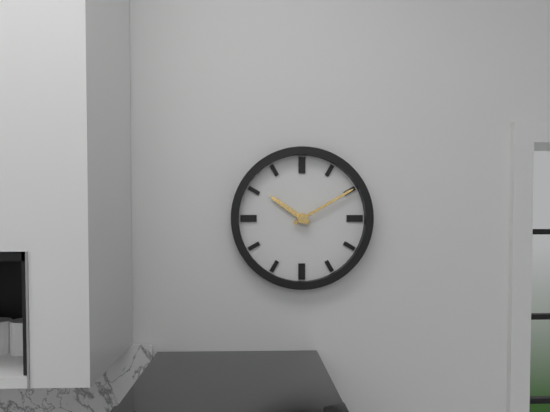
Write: 10h10
